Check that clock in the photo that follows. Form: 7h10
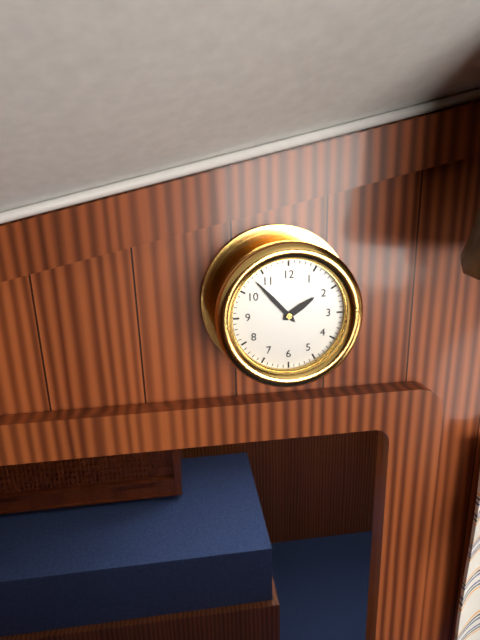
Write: 1h53
